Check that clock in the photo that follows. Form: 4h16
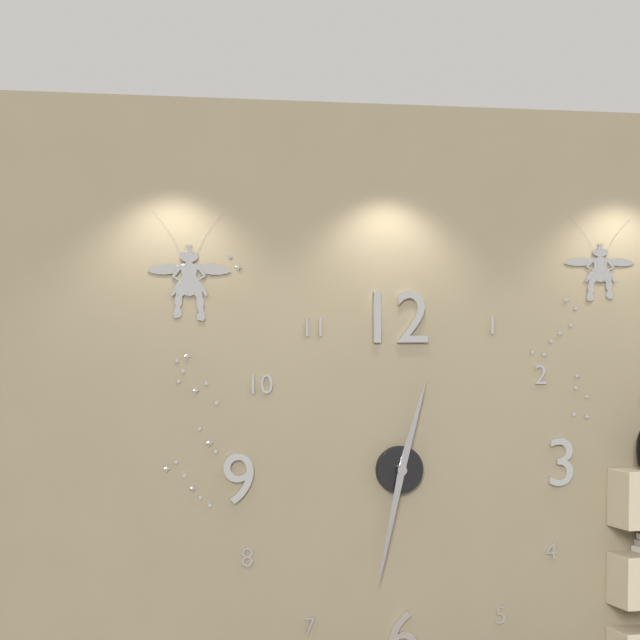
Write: 12h32
